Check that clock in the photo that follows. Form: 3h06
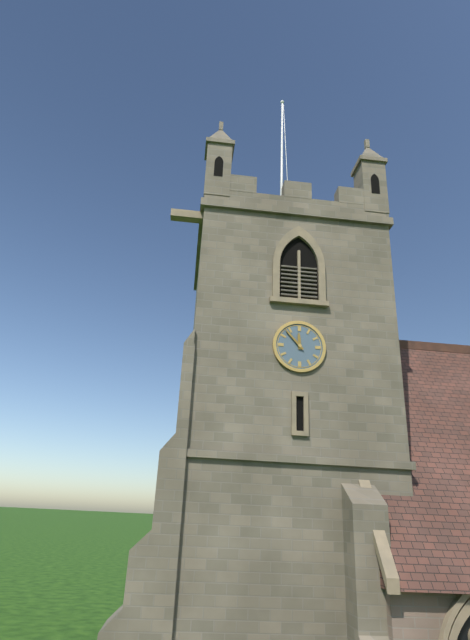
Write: 11h53
